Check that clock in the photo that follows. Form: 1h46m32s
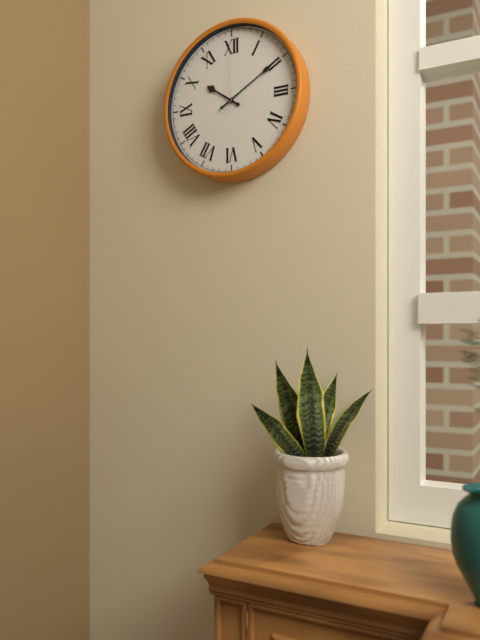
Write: 10h10m00s
